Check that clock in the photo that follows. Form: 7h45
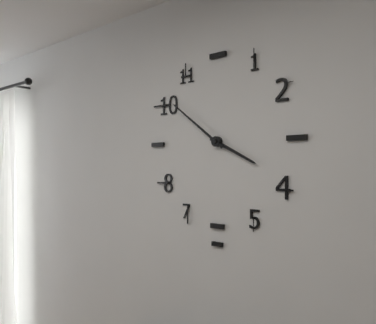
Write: 3h51
